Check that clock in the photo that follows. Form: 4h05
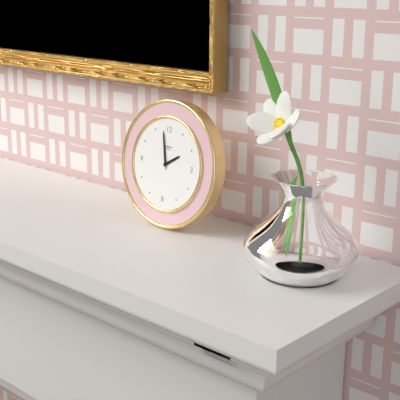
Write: 1h58
